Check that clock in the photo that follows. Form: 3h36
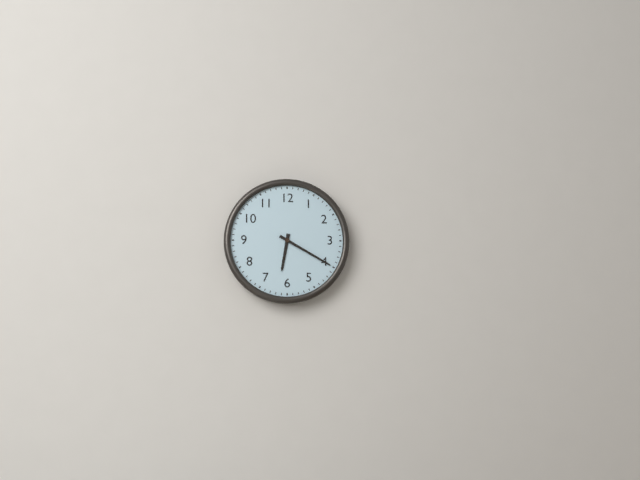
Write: 6h20
